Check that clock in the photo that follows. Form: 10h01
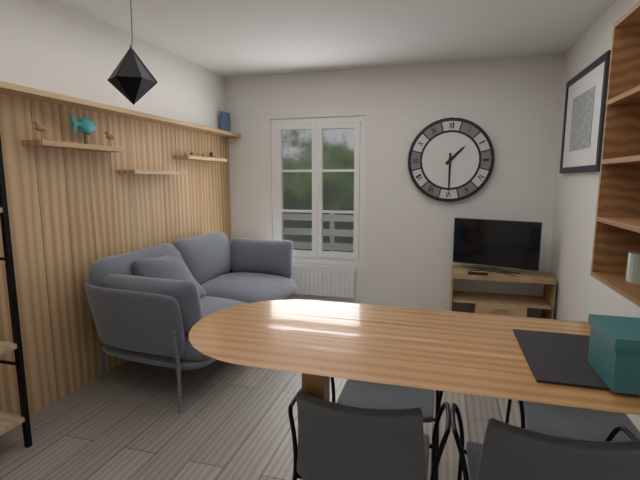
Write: 1h30
